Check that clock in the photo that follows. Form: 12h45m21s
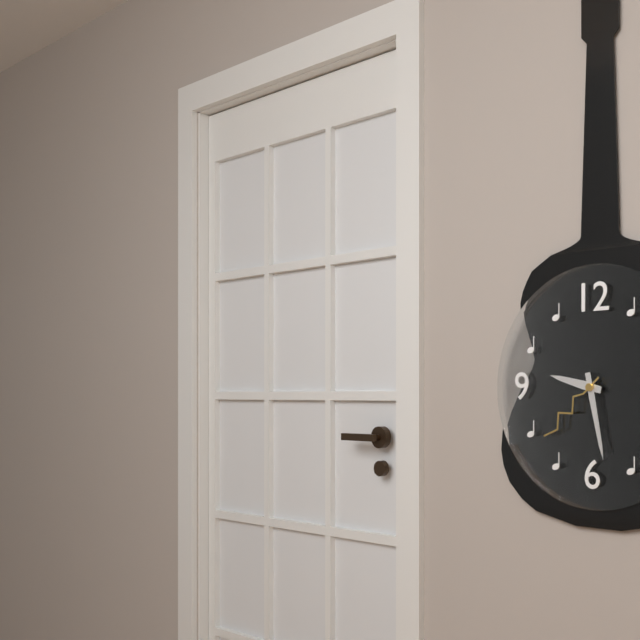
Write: 9h28m38s
